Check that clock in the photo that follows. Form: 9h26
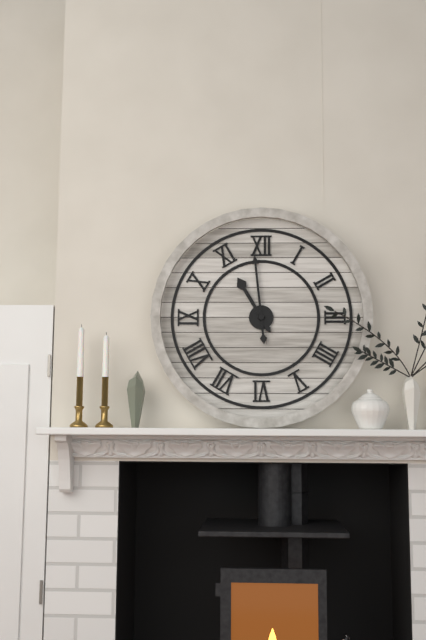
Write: 10h59
